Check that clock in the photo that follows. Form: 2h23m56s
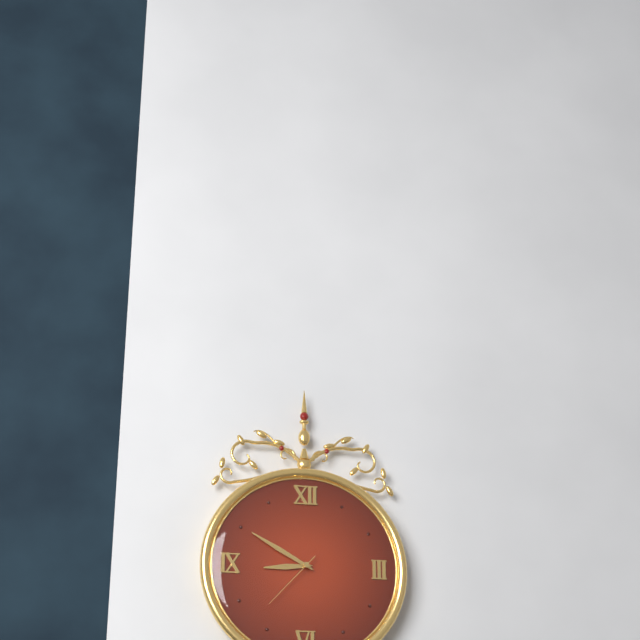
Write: 8h50m37s
